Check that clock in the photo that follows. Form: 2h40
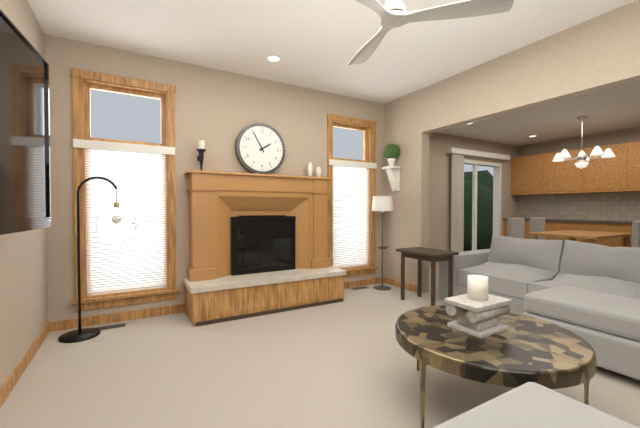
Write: 1h55
